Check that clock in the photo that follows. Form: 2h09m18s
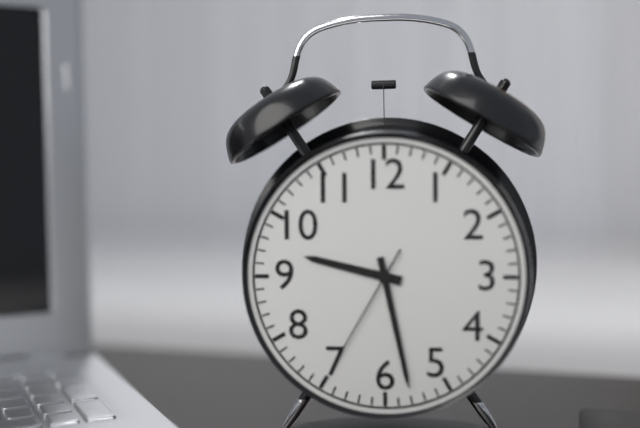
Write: 9h28m35s
